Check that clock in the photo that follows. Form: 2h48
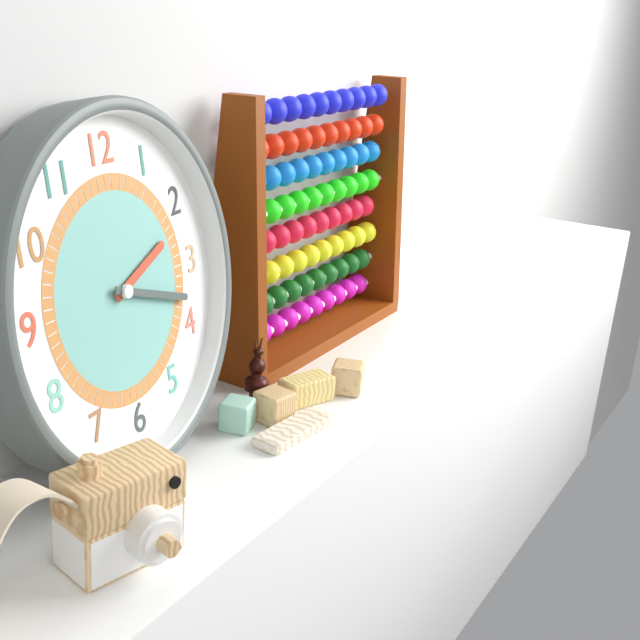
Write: 2h18
